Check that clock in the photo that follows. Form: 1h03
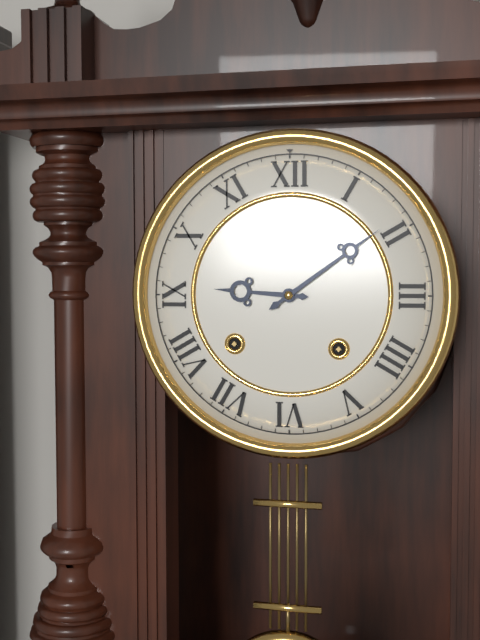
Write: 9h09
